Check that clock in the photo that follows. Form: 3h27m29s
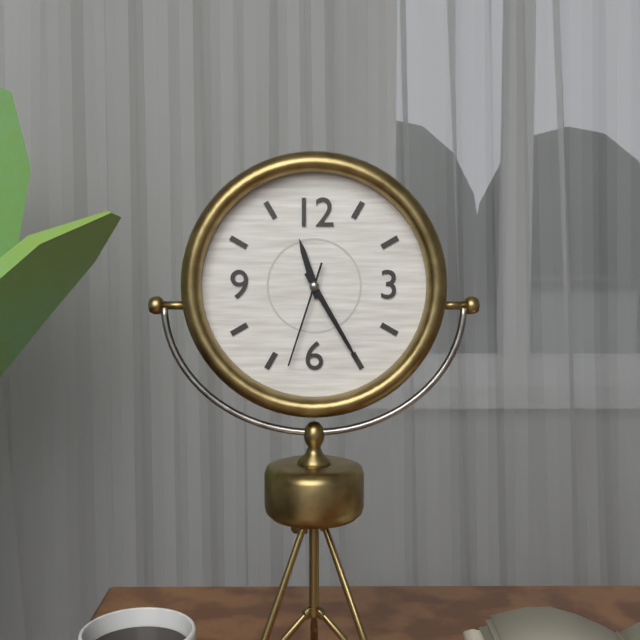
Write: 11h25m33s
